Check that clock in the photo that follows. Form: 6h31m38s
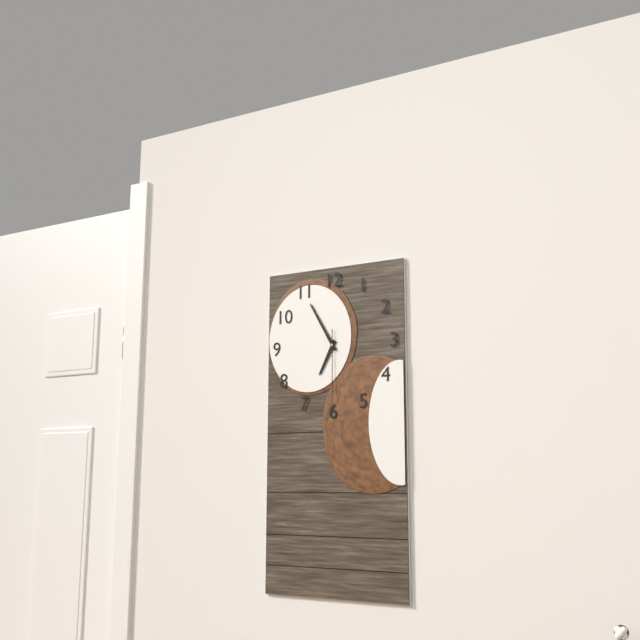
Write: 6h55m30s
